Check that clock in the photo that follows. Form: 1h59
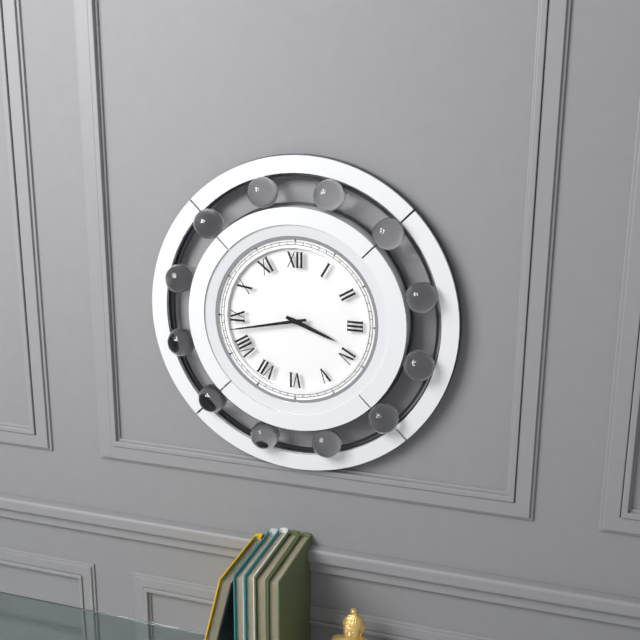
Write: 3h43
